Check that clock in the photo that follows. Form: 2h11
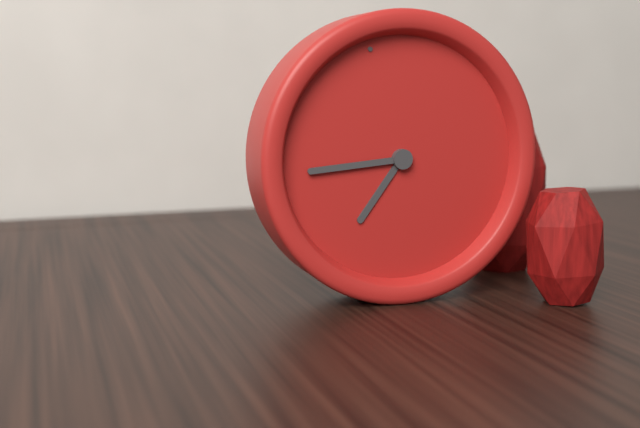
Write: 7h47
